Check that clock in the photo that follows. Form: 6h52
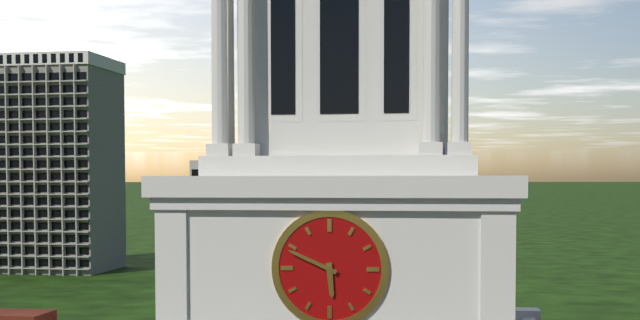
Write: 5h49
